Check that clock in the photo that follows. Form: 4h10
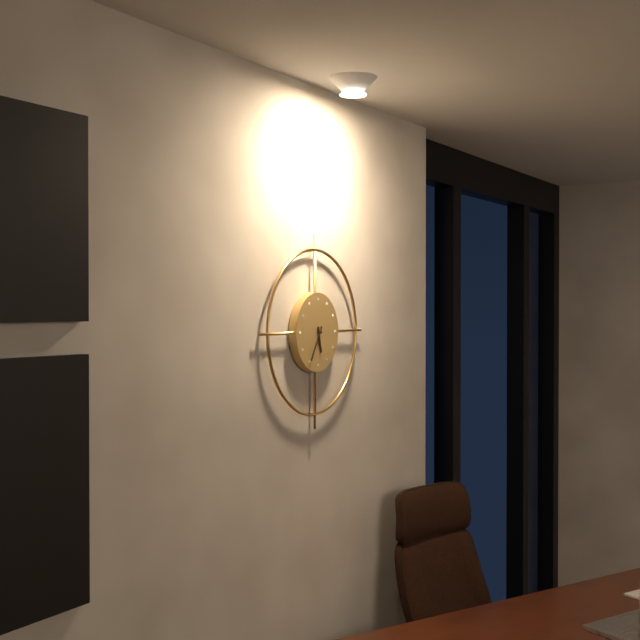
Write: 5h35
